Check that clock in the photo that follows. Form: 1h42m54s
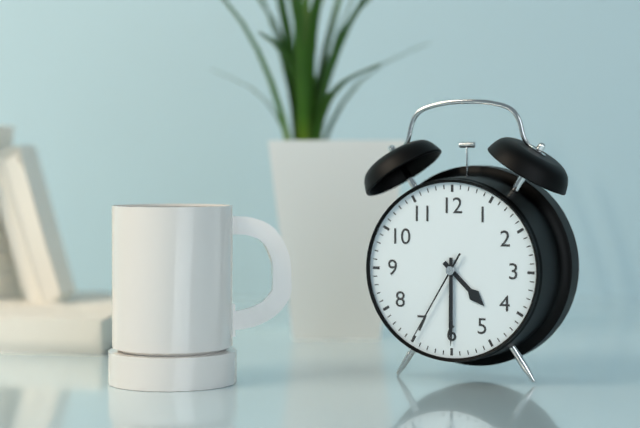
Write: 4h30m35s
